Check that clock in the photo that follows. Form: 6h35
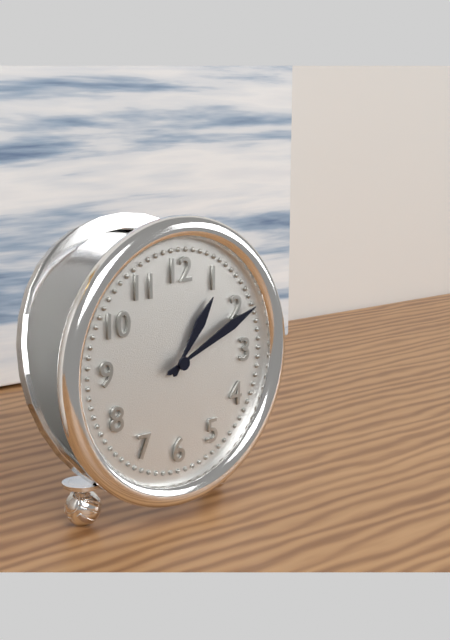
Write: 1h11
